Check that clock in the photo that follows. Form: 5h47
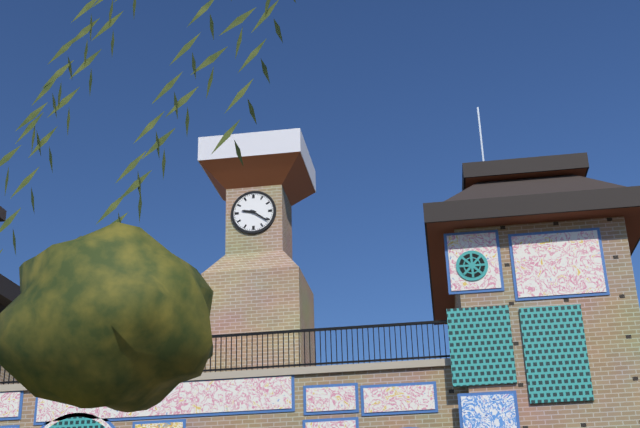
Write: 9h21
